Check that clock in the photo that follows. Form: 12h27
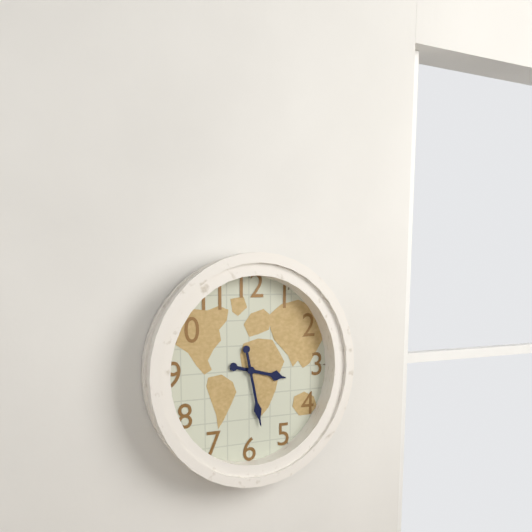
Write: 3h28
